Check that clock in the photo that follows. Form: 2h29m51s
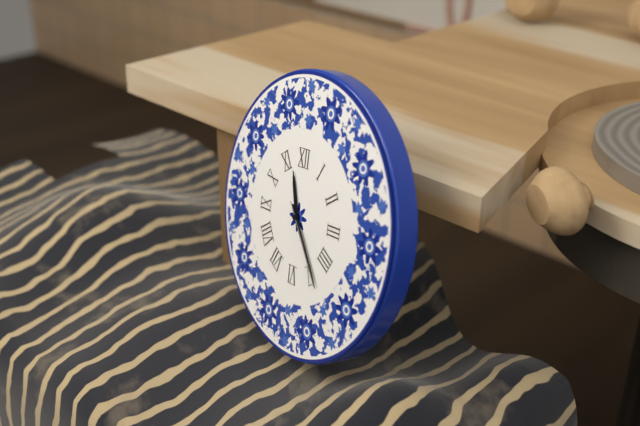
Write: 11h24m24s
